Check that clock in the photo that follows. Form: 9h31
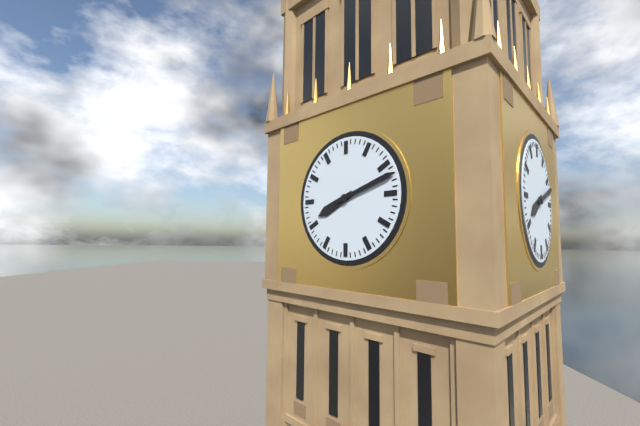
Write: 8h12
